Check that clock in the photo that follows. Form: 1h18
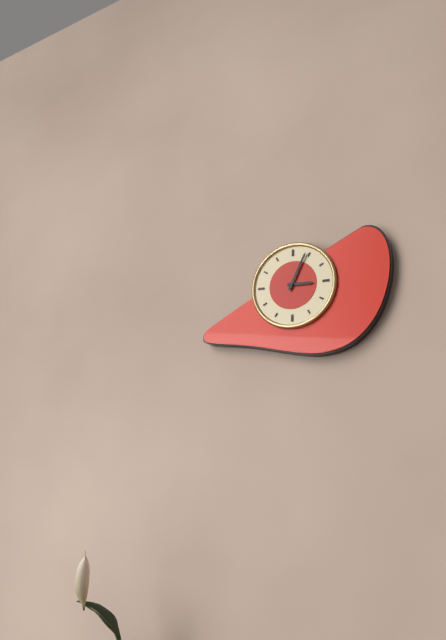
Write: 3h04
